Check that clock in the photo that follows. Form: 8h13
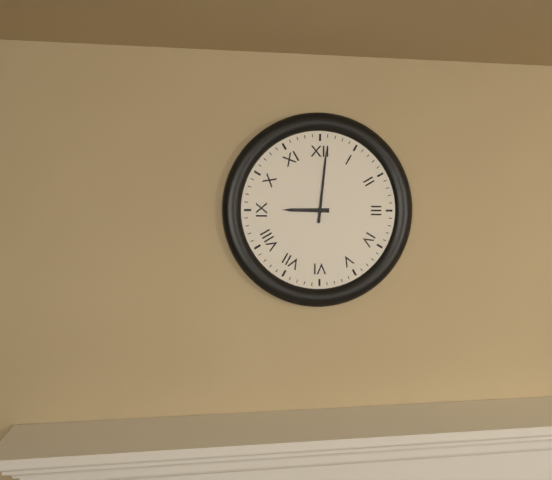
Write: 9h01
